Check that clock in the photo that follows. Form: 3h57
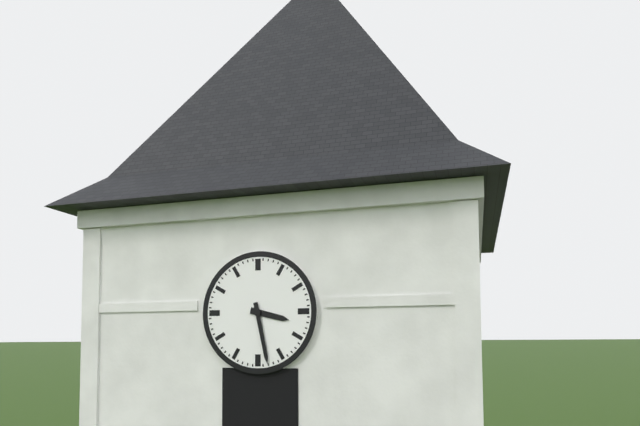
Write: 3h28
